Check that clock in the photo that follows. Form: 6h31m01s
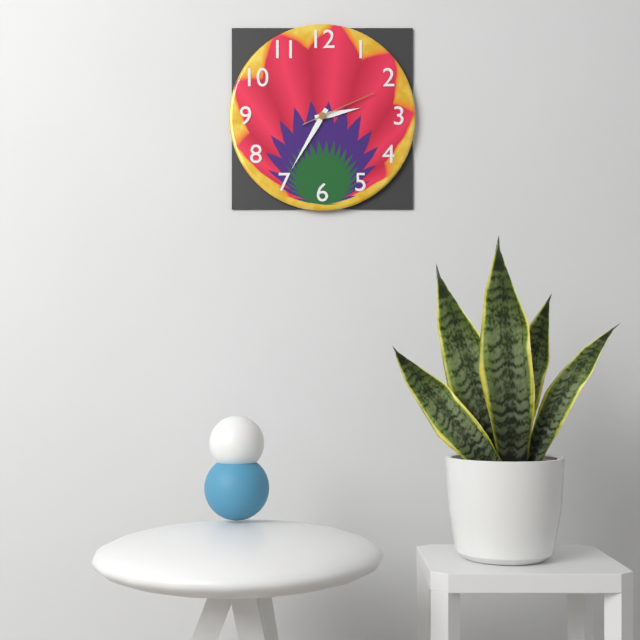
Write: 2h35m11s
